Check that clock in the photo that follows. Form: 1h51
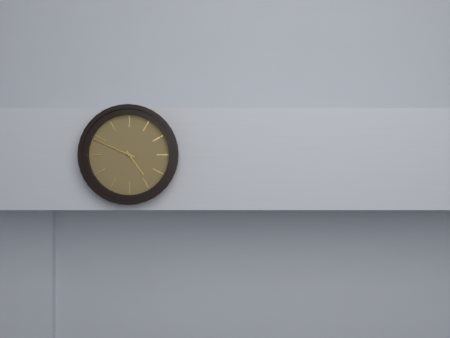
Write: 4h49
